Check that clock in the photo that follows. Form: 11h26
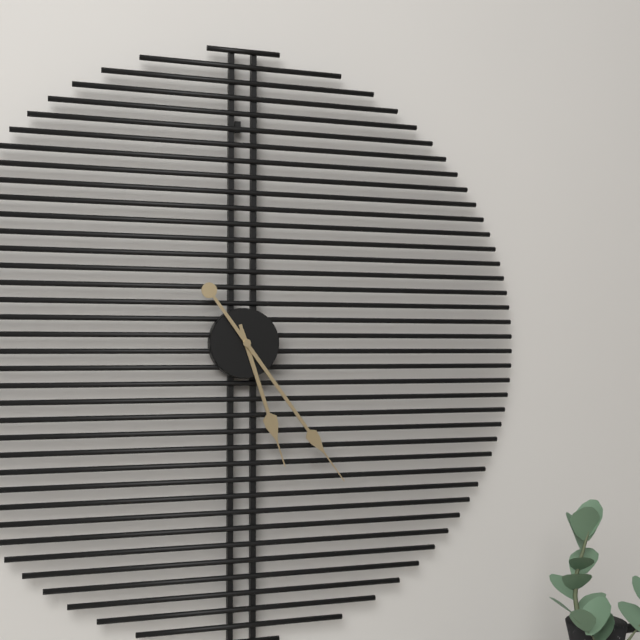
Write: 5h24
